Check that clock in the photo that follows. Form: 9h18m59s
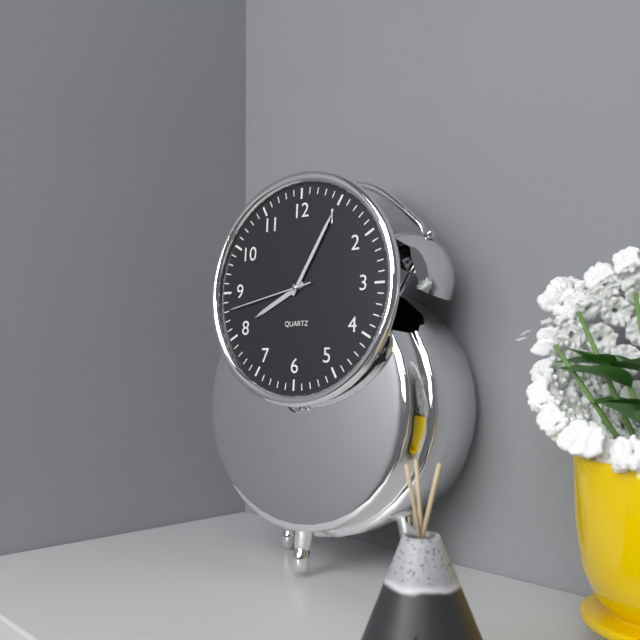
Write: 8h05m43s
